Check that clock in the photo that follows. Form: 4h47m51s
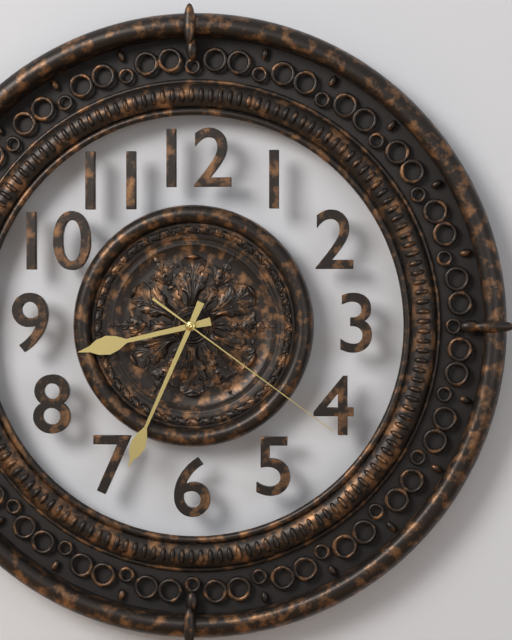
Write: 8h34m21s
